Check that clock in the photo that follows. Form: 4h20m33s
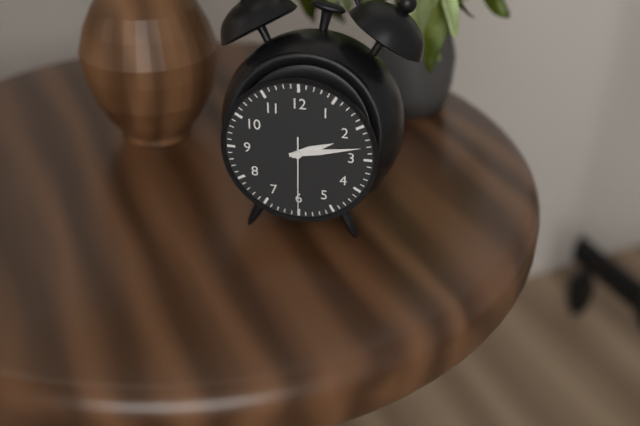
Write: 2h13m30s
